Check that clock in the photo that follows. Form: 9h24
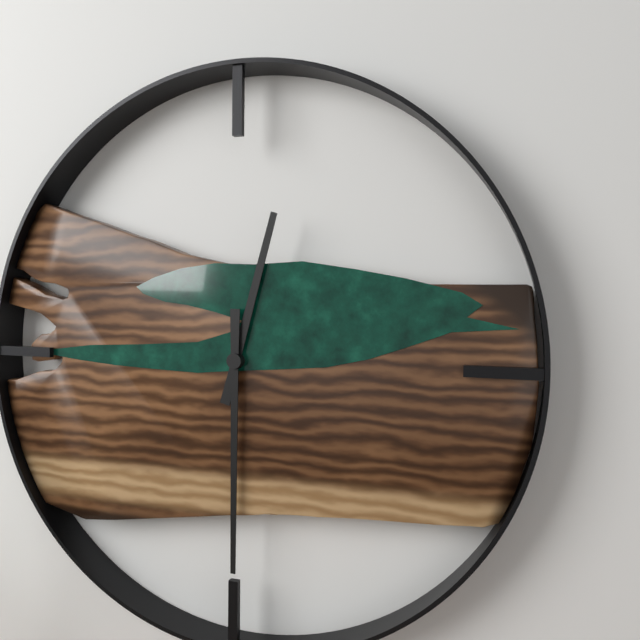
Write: 12h30
